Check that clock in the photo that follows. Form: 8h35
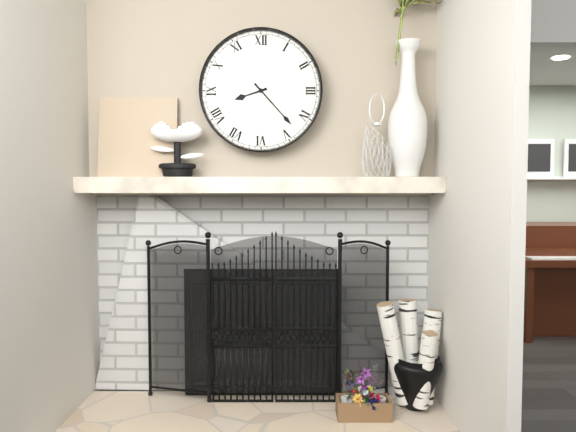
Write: 8h23
